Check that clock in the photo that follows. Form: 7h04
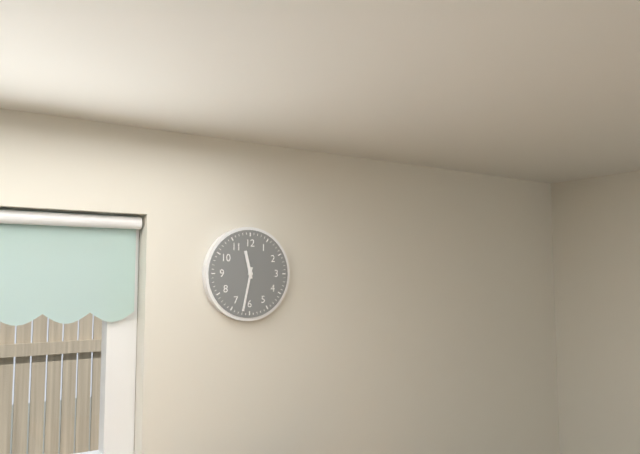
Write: 11h32
